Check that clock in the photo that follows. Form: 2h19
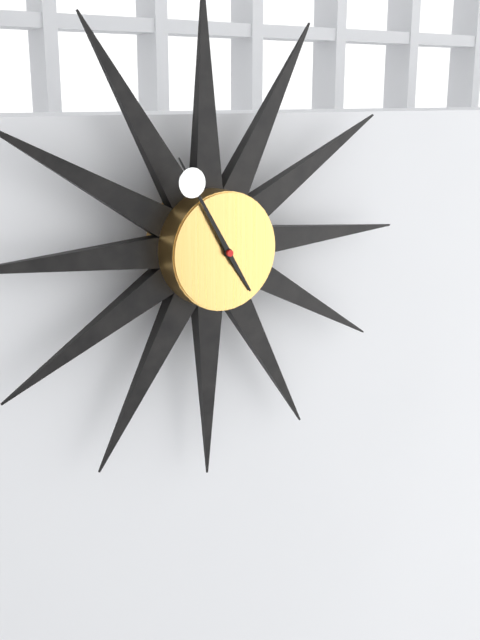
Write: 4h55
